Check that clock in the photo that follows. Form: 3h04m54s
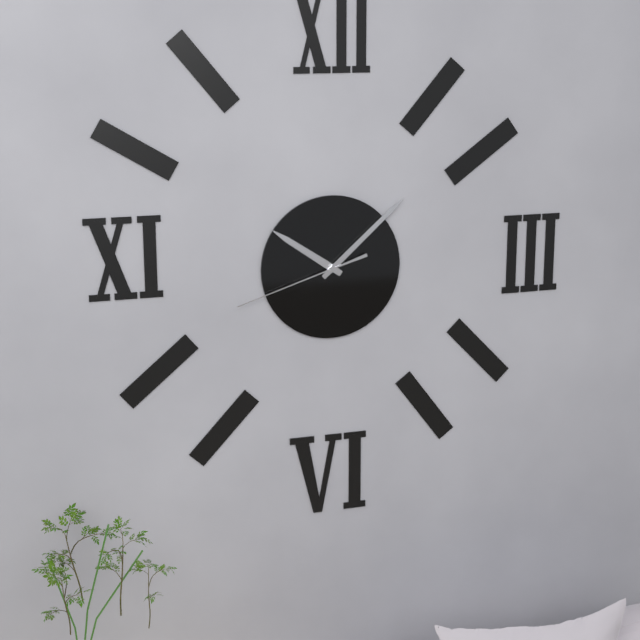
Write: 10h08m42s
